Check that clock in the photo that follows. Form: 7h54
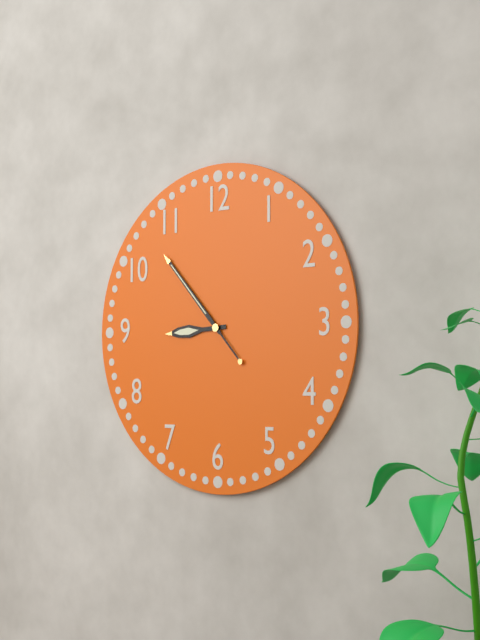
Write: 8h53
